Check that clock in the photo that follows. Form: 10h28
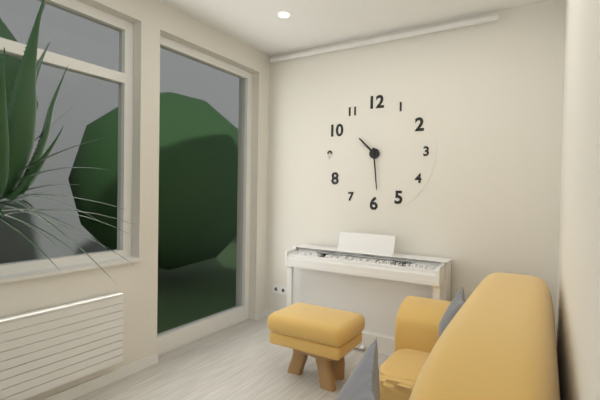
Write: 10h29
